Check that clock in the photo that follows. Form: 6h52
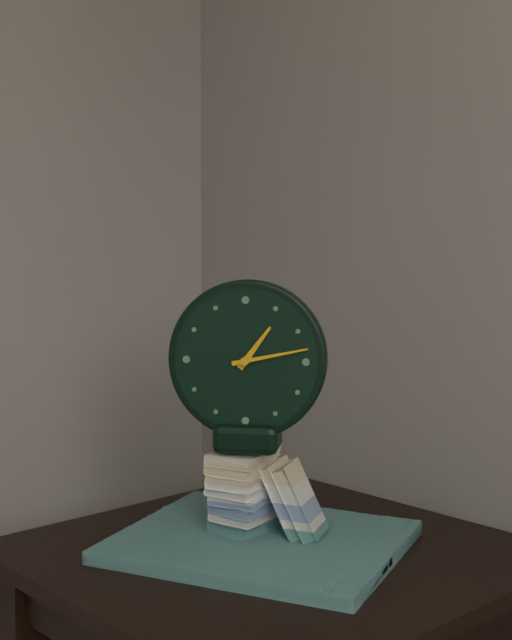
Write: 1h13
